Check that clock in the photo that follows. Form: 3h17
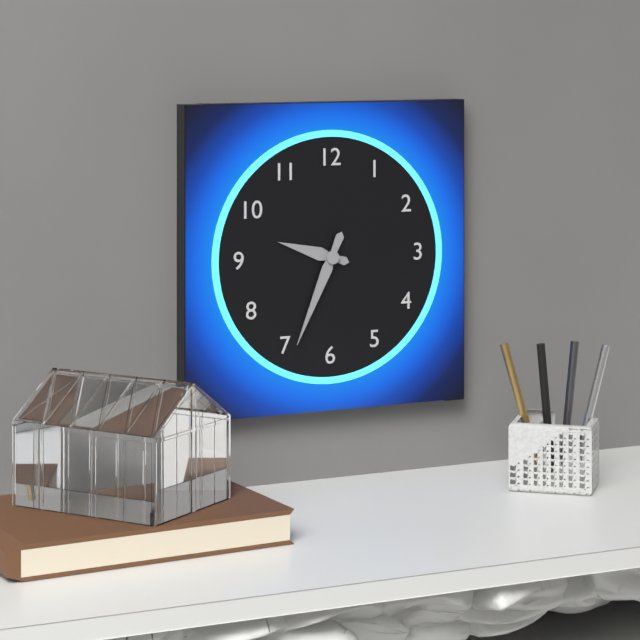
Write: 9h34
